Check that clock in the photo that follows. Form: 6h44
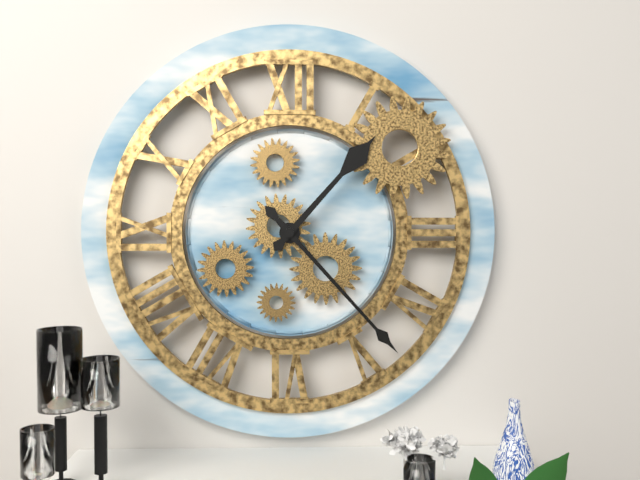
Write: 1h23
